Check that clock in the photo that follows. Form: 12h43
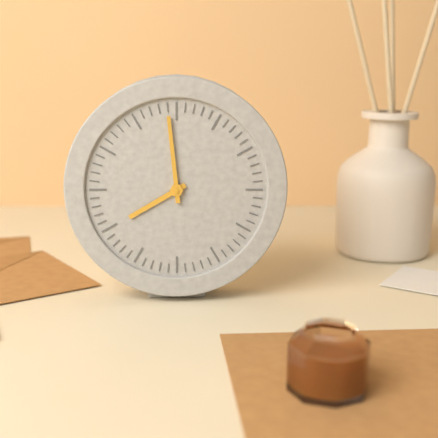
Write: 7h59
